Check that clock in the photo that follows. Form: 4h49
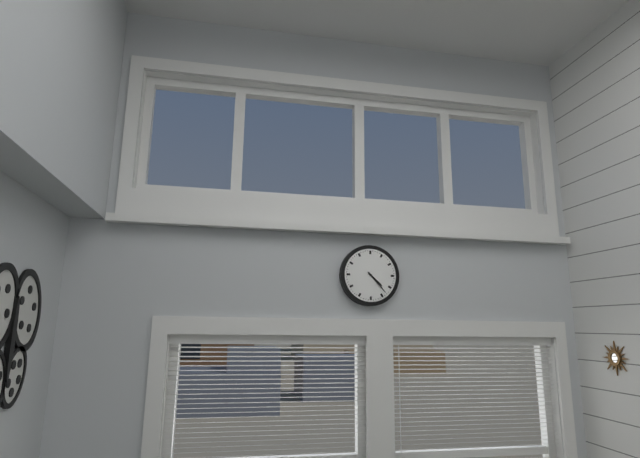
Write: 4h23
